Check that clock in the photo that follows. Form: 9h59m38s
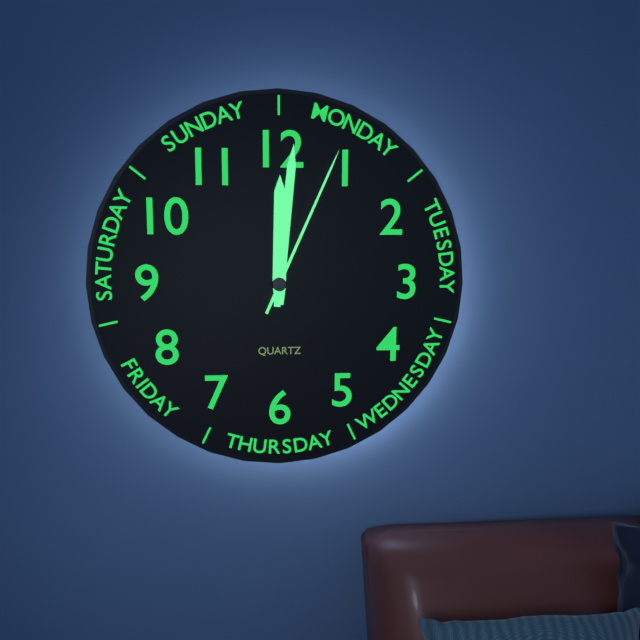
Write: 12h01m04s
